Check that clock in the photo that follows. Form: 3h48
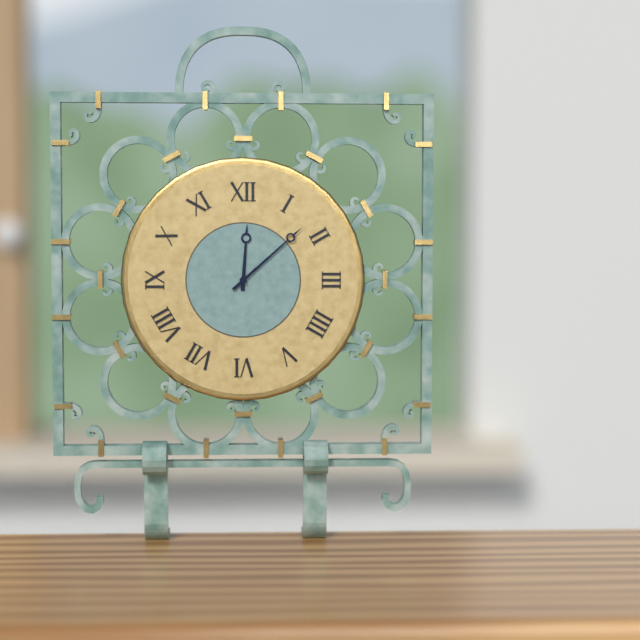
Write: 12h08
